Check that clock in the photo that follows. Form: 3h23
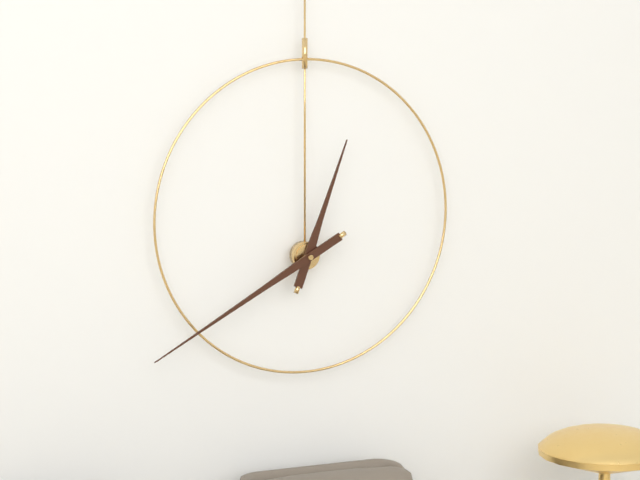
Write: 12h40
